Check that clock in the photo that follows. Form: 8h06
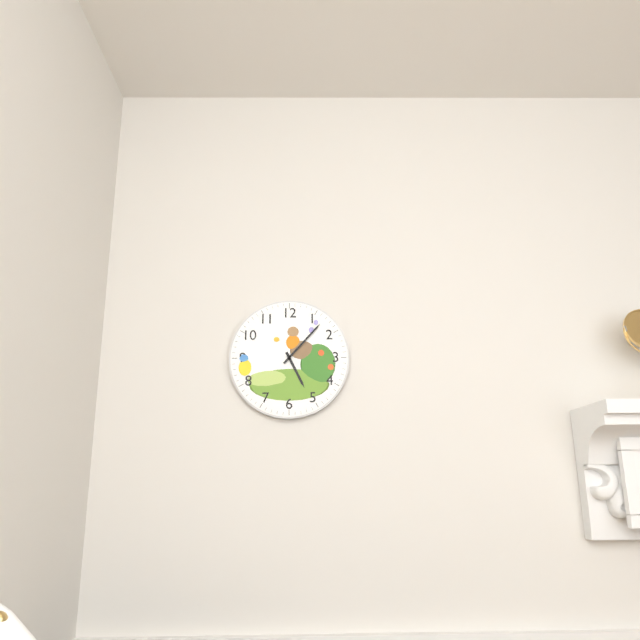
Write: 5h07
